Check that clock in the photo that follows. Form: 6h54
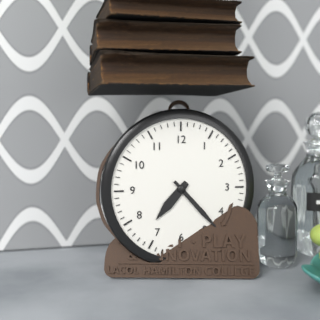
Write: 7h23
